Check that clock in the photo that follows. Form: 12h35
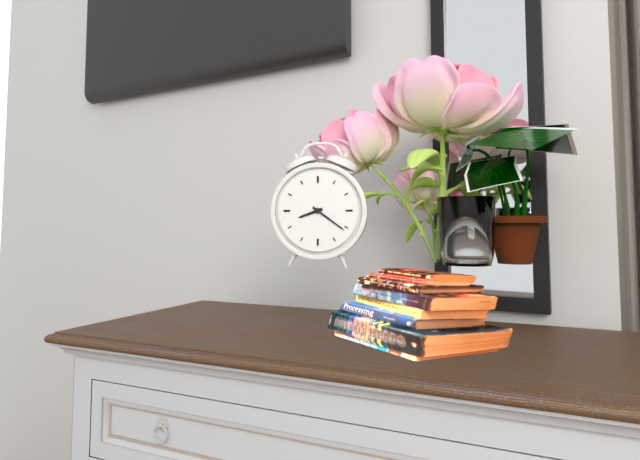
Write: 8h21
